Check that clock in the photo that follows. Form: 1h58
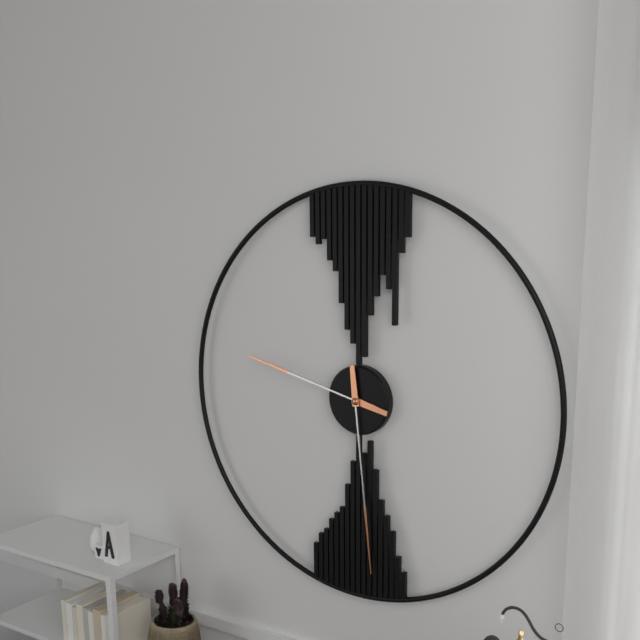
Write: 9h29
